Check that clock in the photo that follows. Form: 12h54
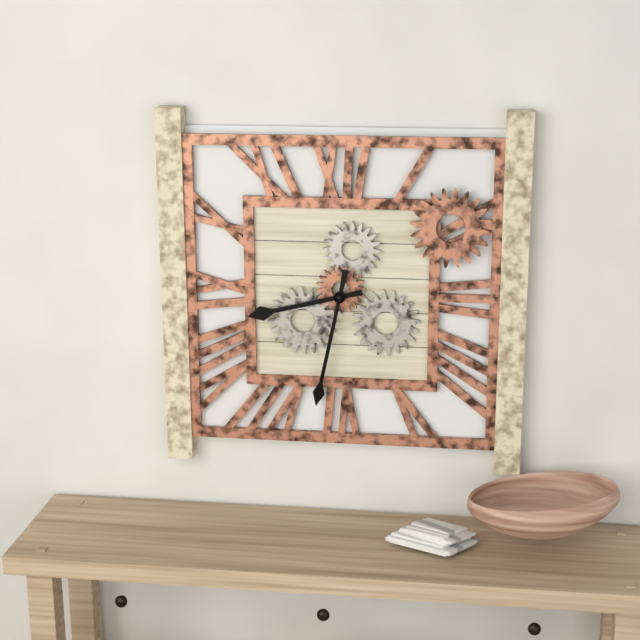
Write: 8h32
